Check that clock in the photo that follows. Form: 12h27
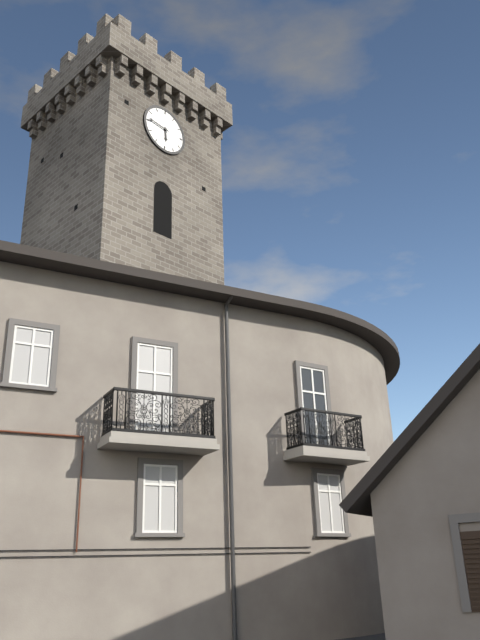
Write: 5h46
